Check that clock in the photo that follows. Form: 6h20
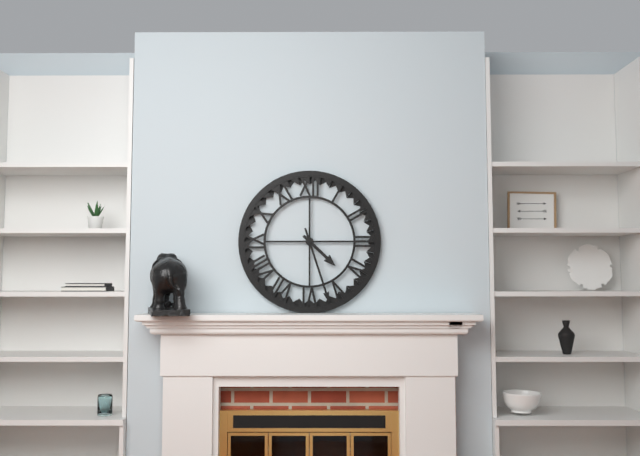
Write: 4h27
